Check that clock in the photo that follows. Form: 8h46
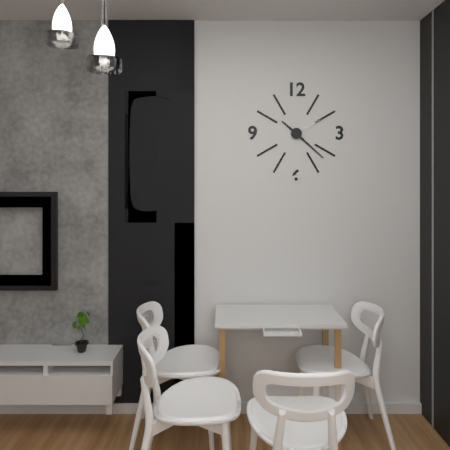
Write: 10h22
